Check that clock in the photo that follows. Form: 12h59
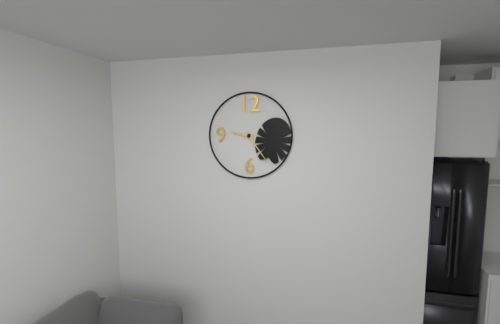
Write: 9h24
